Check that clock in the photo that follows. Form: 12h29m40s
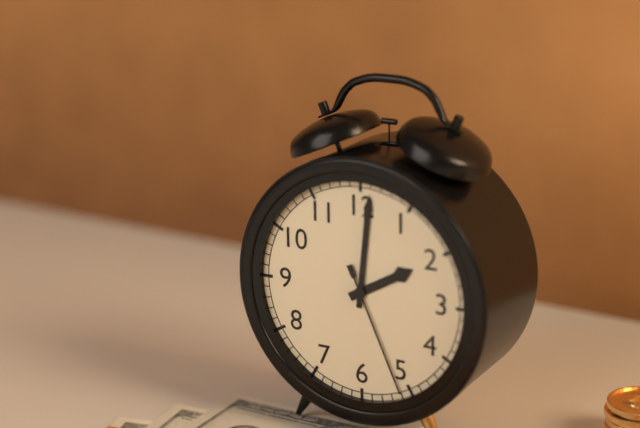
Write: 2h01m26s
